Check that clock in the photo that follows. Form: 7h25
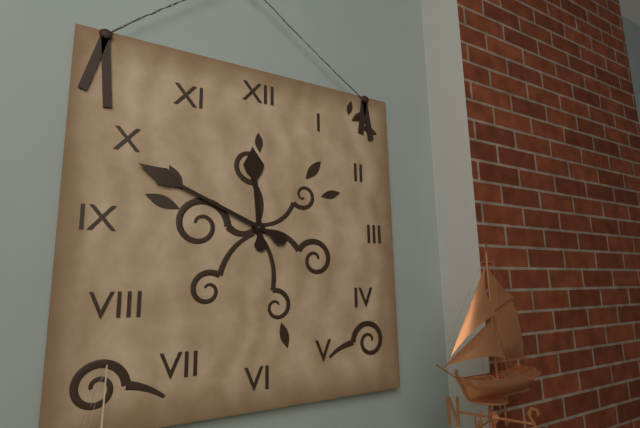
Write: 11h49
